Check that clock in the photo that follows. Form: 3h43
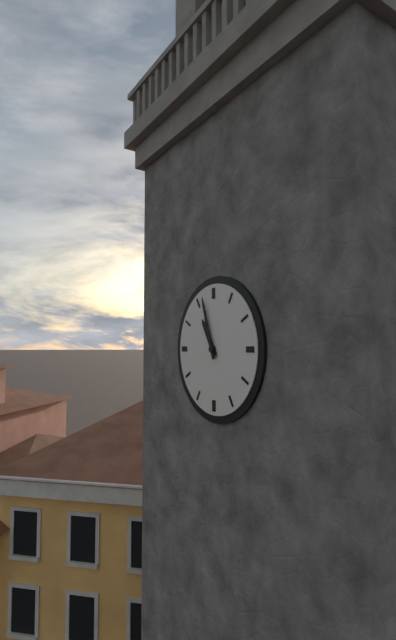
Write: 10h57
